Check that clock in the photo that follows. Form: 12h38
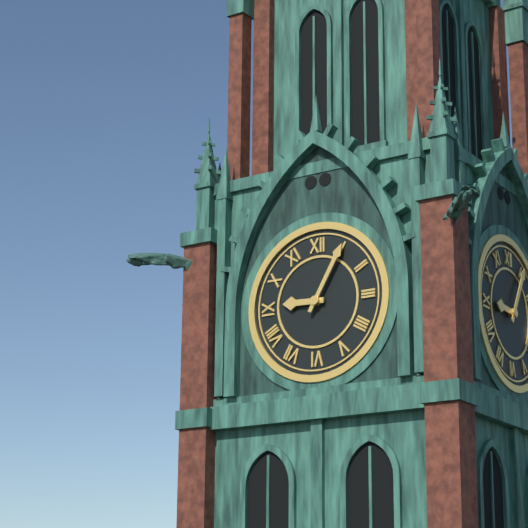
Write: 9h05
